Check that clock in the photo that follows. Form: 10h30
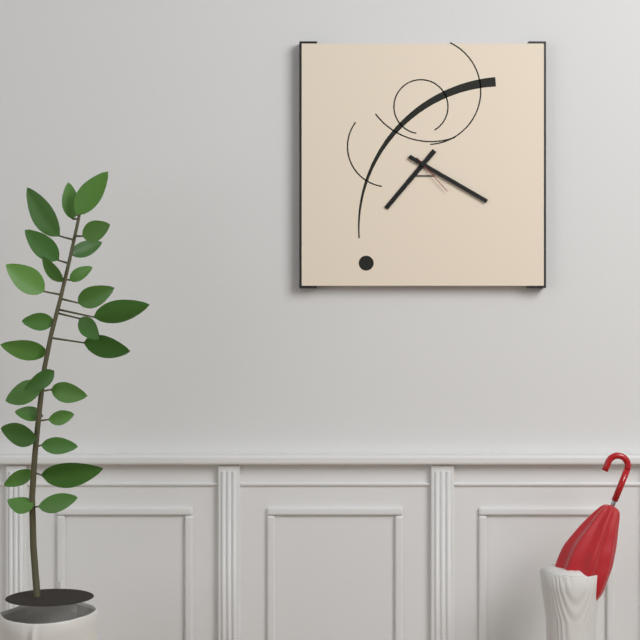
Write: 7h20
